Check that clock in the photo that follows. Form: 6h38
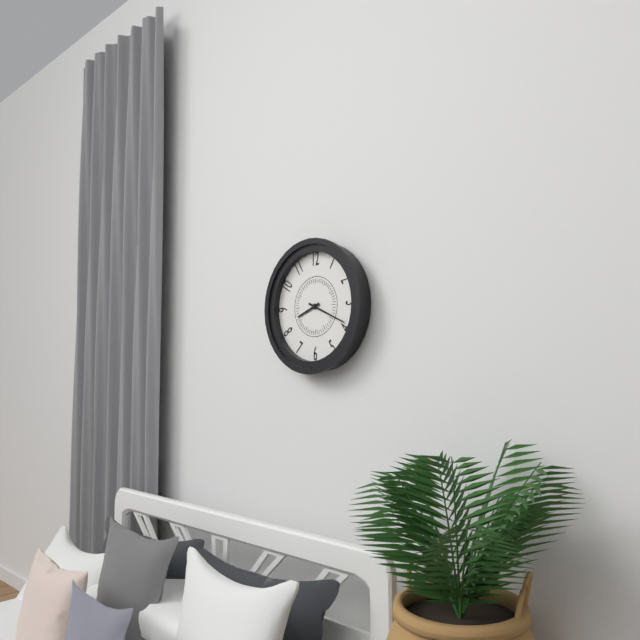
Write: 8h19
